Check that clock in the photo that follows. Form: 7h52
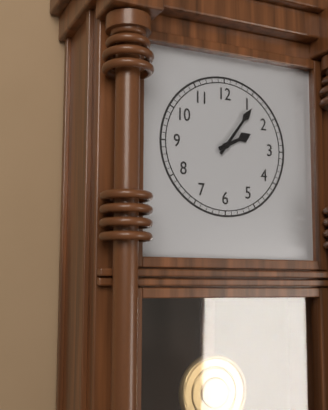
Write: 2h06
